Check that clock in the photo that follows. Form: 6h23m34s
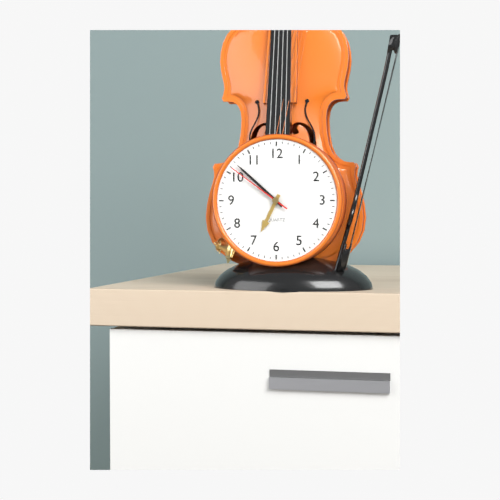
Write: 6h52m51s
